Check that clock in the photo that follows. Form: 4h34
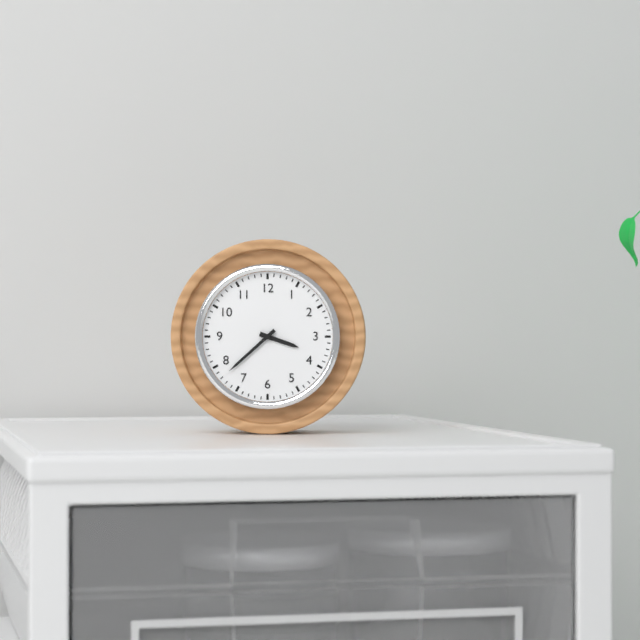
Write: 3h38
